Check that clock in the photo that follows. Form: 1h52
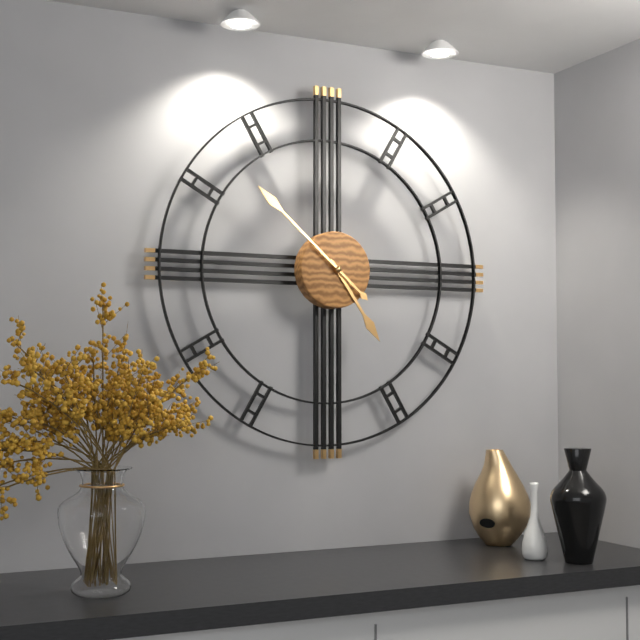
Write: 4h52
